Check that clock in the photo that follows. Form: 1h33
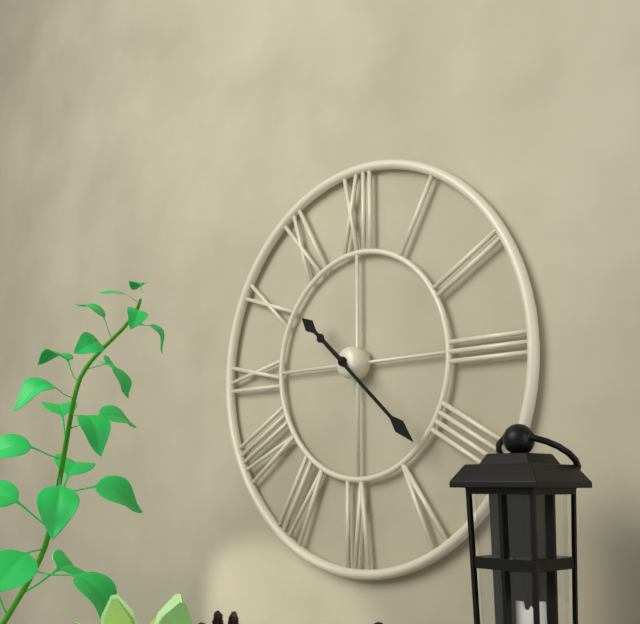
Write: 10h22
